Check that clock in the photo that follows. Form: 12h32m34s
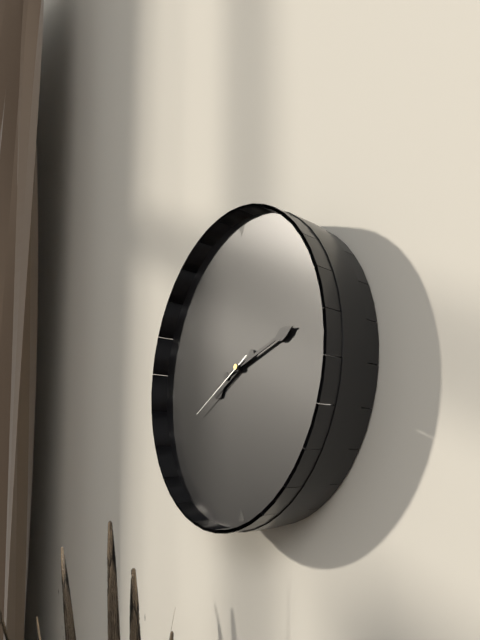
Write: 8h13m41s
